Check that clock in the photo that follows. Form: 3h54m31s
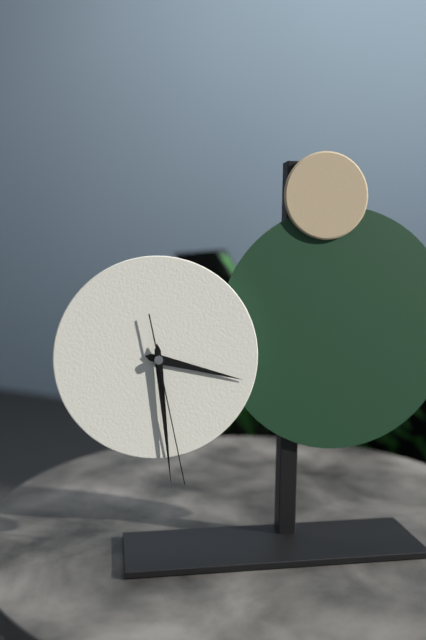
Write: 3h29m28s
